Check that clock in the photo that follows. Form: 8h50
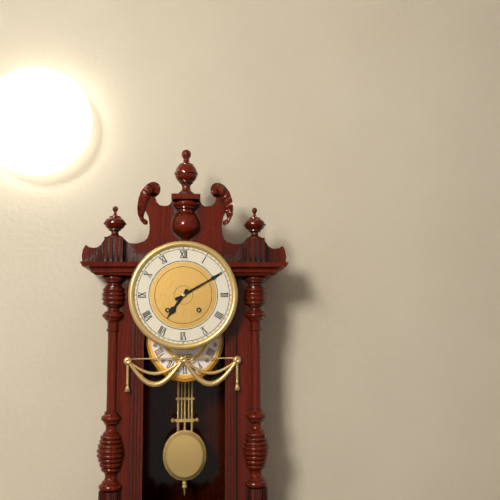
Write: 7h10
